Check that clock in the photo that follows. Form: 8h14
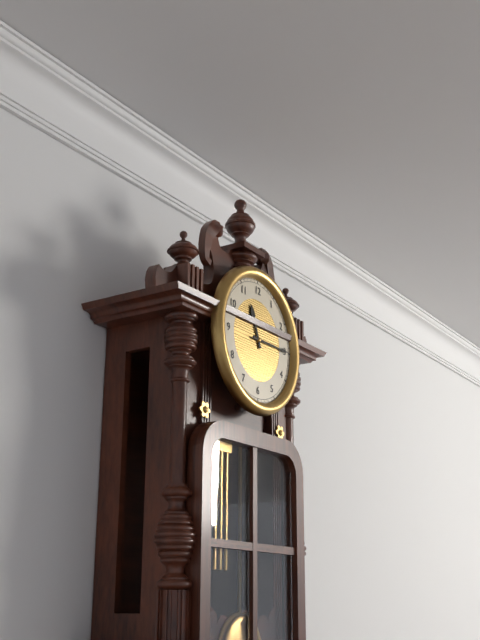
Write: 11h15
